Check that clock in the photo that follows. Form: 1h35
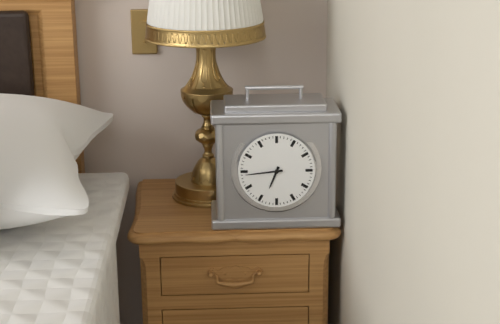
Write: 6h44
